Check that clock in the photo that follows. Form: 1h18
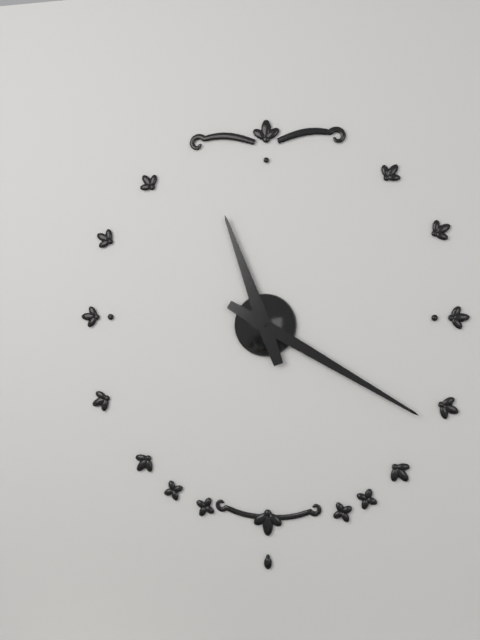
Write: 11h20
